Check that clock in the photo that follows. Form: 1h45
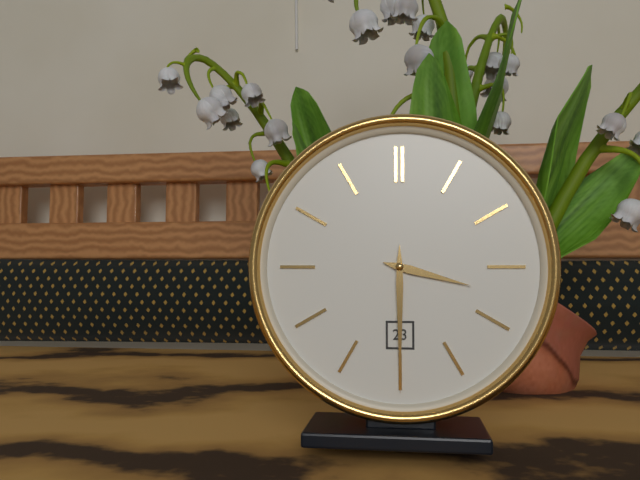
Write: 3h30
